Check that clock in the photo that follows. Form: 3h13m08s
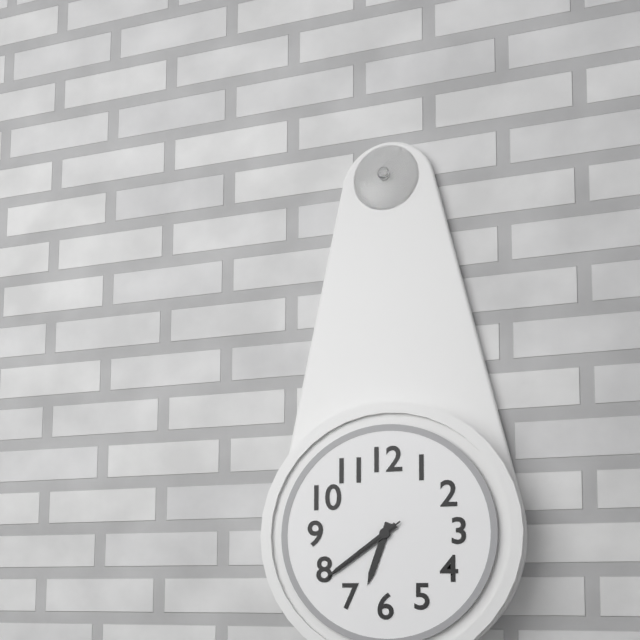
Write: 6h39m39s
